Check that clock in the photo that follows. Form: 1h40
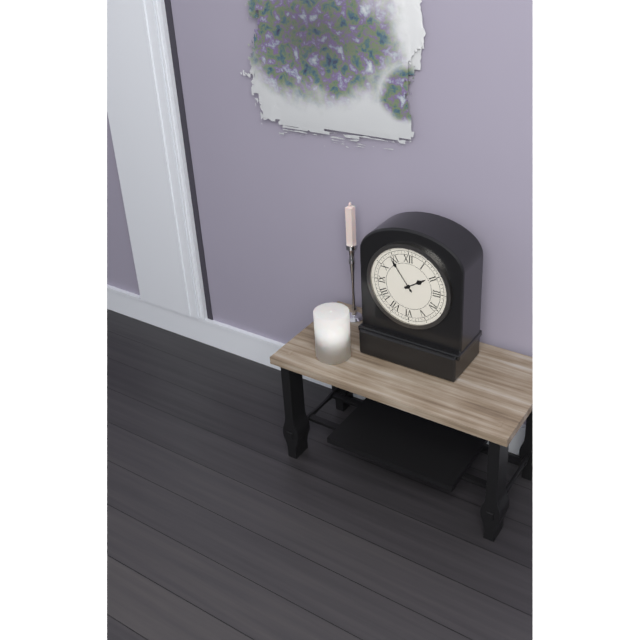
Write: 1h54
